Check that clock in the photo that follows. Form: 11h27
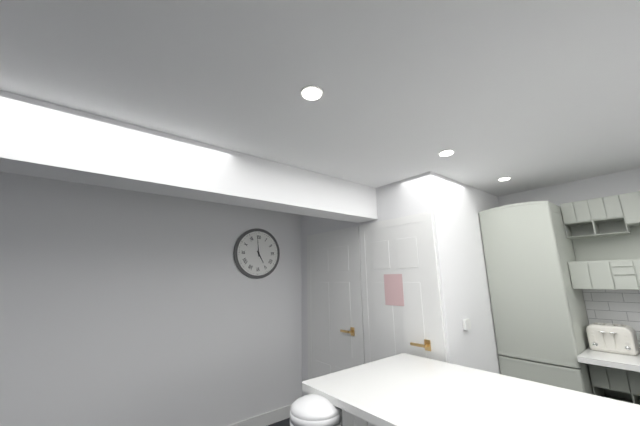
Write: 4h59
